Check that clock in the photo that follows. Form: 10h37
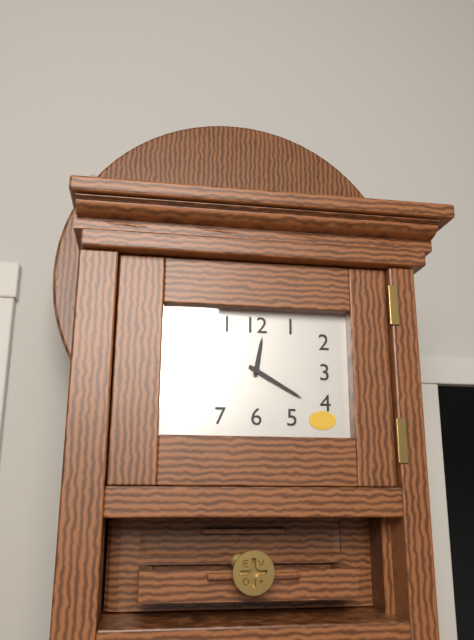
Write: 12h20
